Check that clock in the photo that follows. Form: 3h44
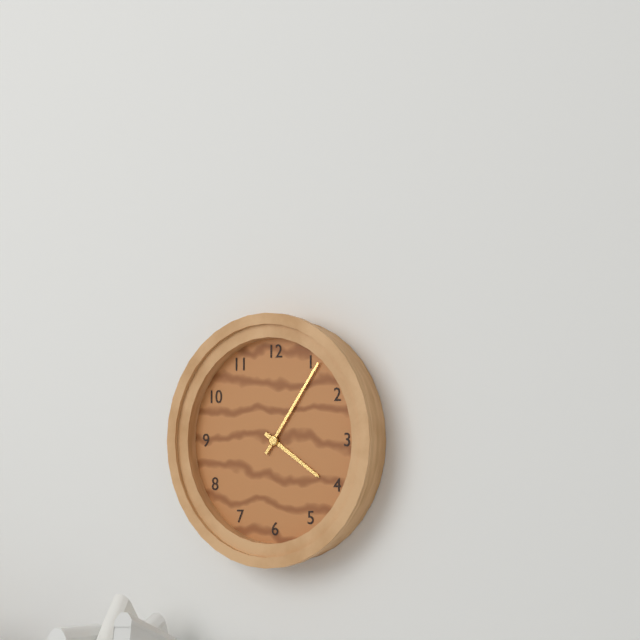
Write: 4h06
